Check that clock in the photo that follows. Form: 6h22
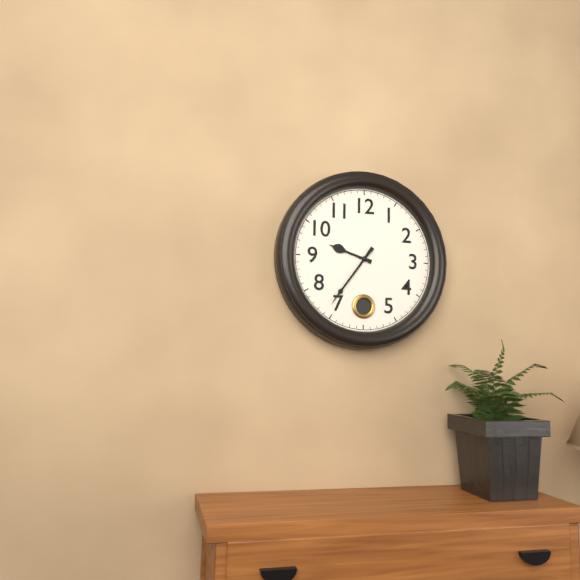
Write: 9h36
